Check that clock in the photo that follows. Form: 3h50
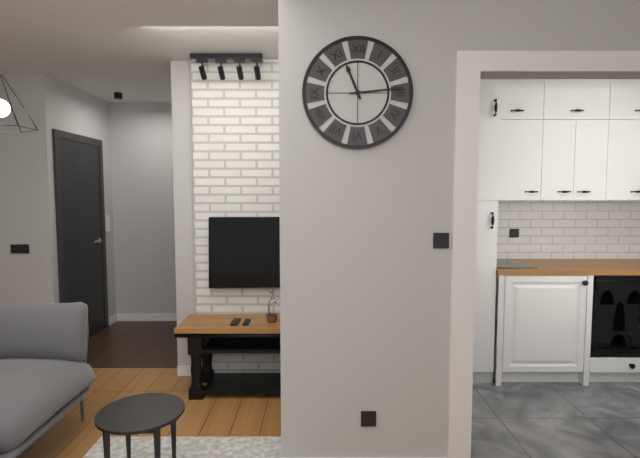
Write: 11h14
